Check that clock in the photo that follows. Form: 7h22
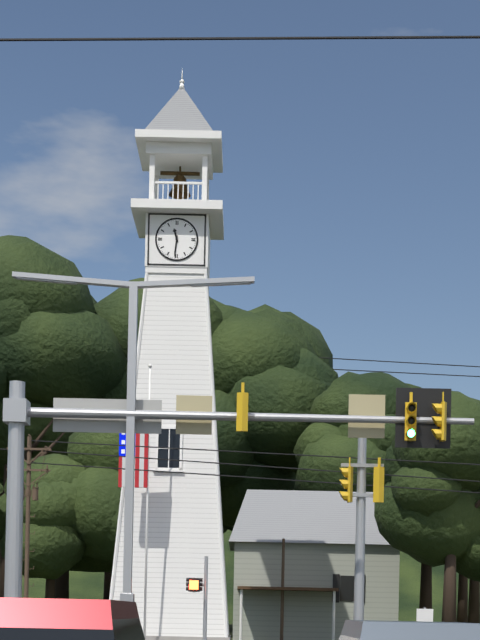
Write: 11h31
